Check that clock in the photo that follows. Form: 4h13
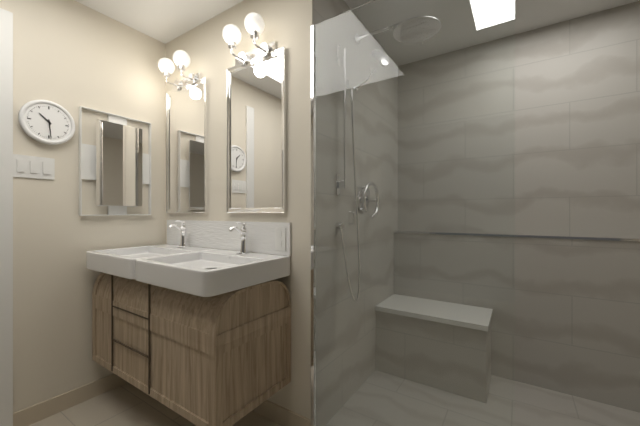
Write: 10h29
